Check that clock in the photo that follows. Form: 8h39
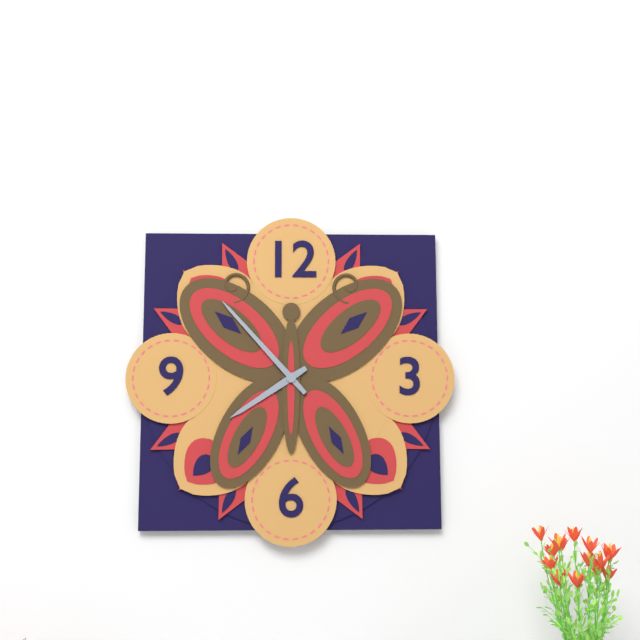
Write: 7h53
